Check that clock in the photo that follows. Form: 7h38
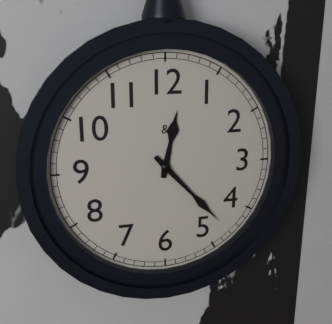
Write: 12h23
